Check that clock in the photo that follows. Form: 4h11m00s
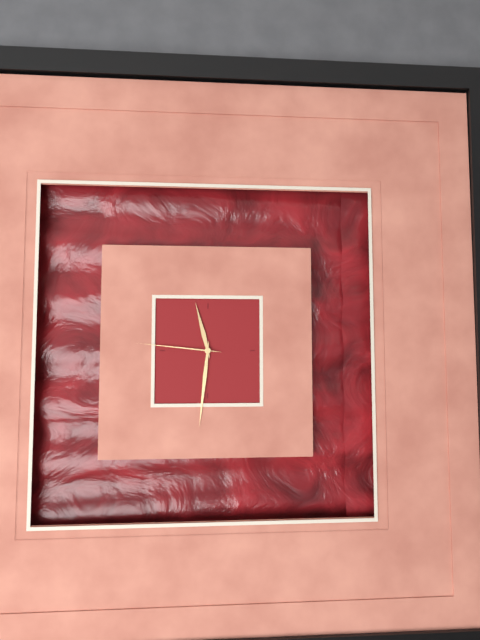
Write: 11h31m46s
